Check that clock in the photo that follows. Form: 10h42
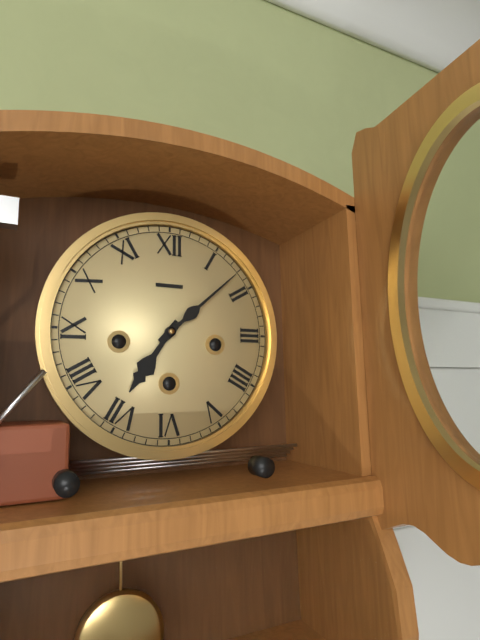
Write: 7h08
